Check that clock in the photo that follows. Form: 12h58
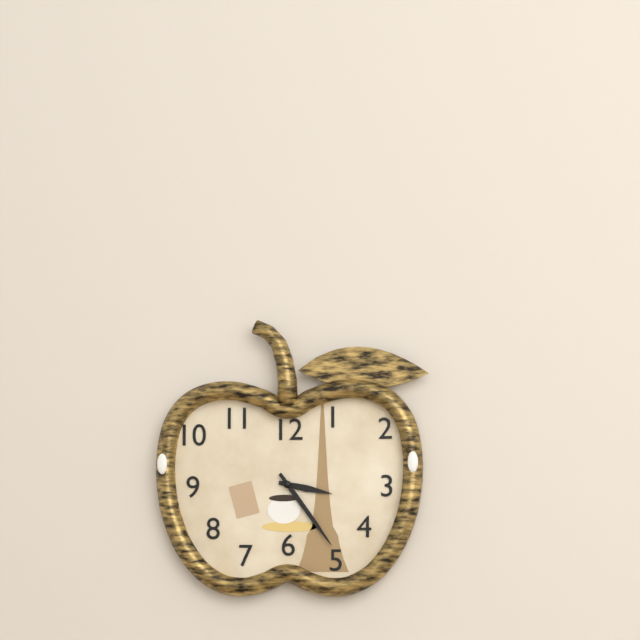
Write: 3h24
